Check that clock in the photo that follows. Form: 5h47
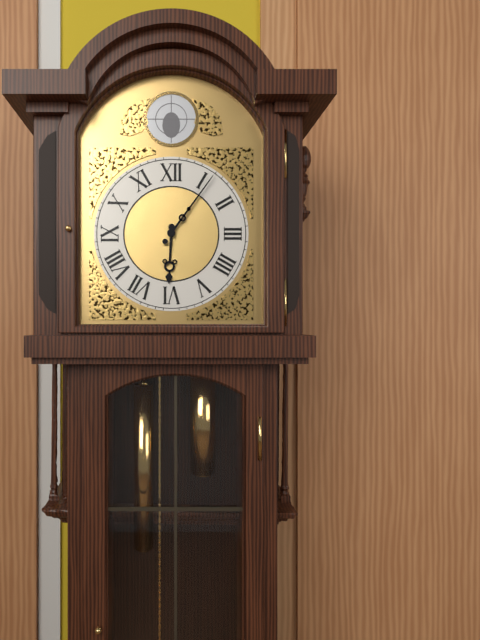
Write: 6h06
